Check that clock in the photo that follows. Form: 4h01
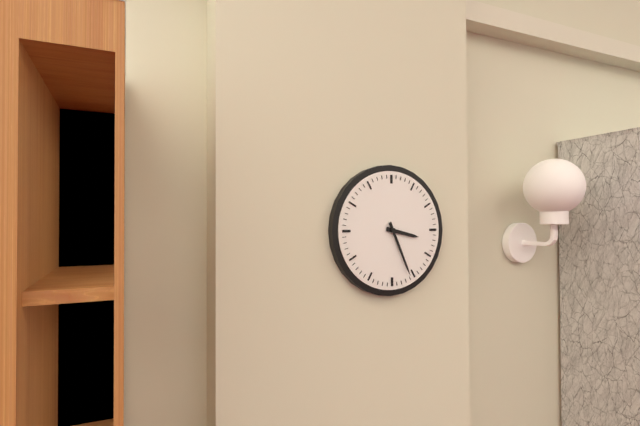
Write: 3h26
